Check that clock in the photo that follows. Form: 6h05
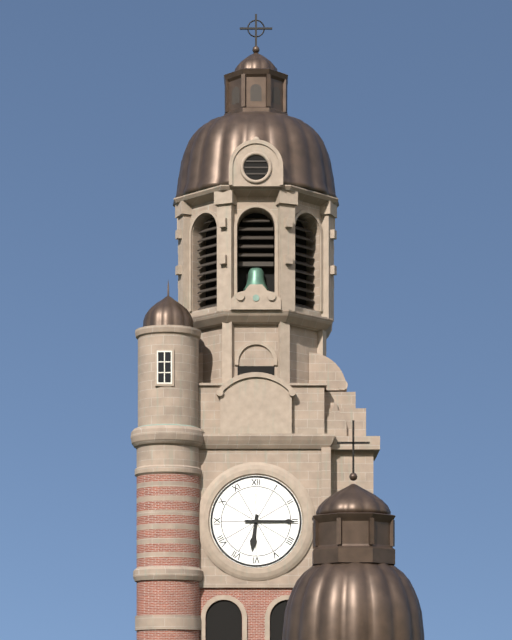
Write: 6h15
